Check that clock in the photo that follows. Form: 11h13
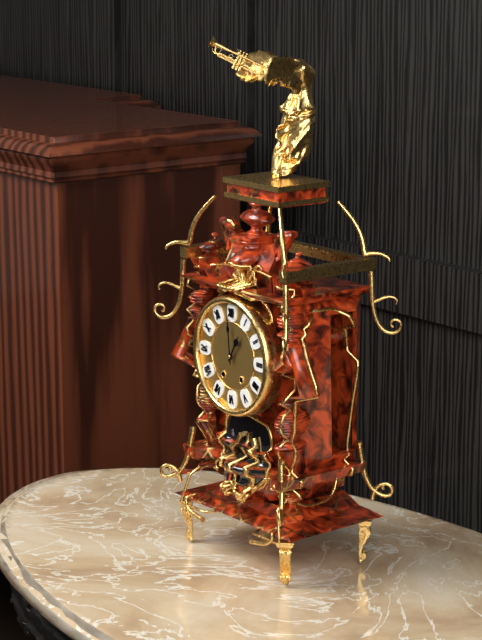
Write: 12h59
